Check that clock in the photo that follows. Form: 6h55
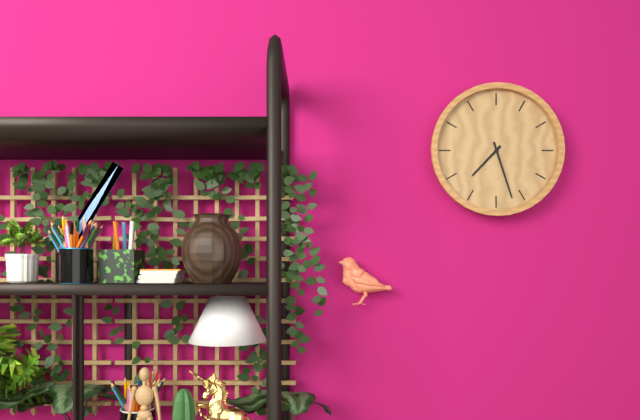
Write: 7h27
